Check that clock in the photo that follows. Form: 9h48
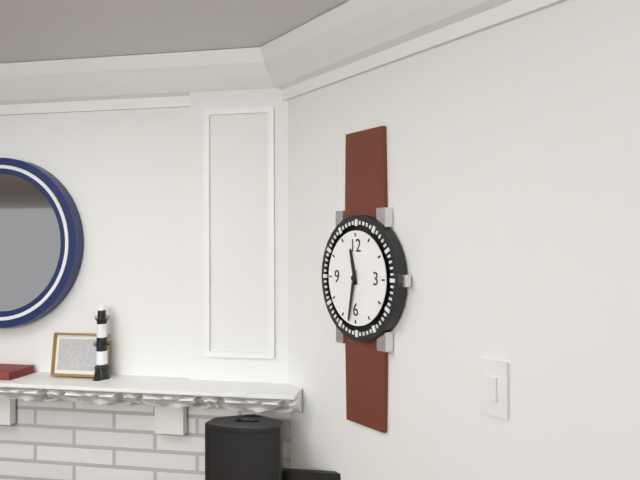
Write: 11h32
